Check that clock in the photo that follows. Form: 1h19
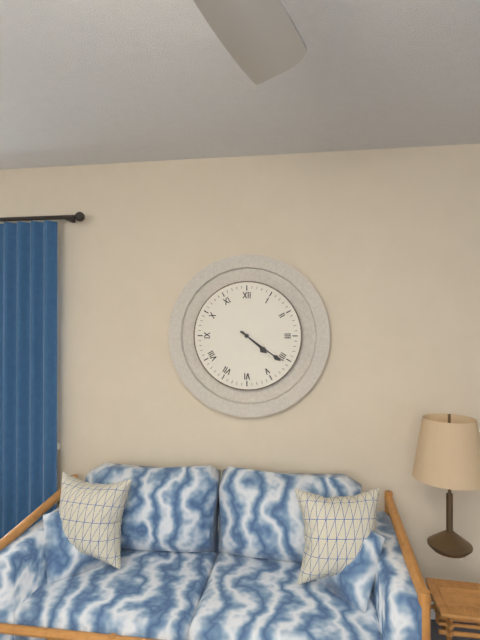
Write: 4h21
